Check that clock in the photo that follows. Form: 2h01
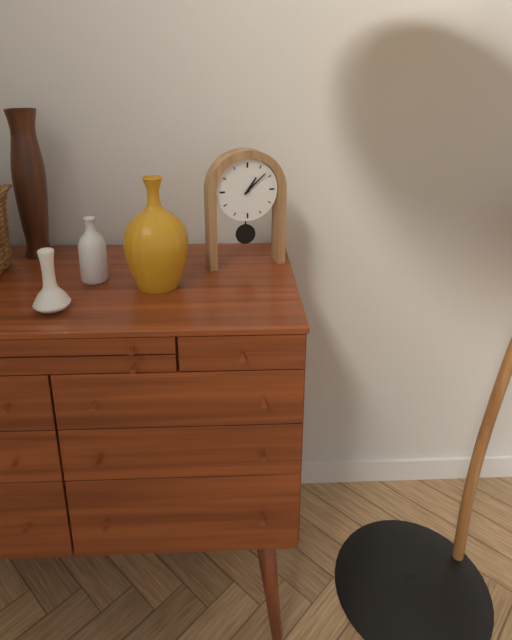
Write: 1h08
